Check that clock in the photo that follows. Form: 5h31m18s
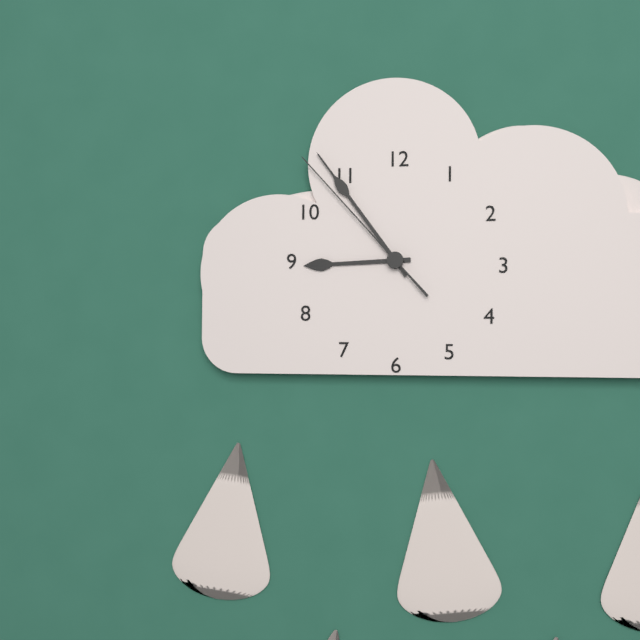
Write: 8h54m53s
